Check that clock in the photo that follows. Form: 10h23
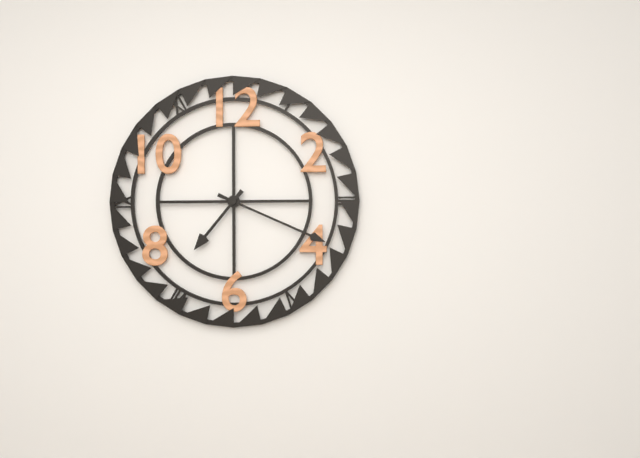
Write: 7h19
